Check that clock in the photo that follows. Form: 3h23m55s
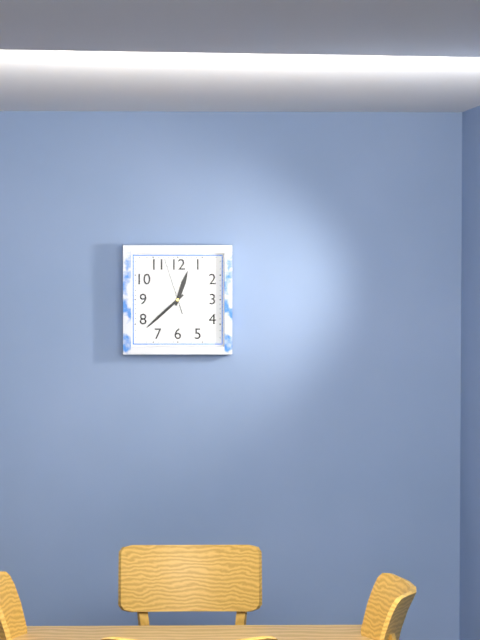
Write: 12h38m57s
